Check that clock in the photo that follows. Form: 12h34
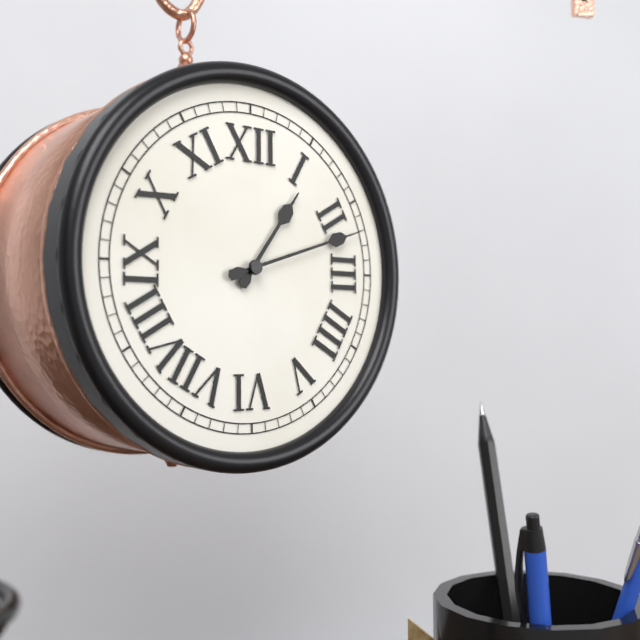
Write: 1h12
